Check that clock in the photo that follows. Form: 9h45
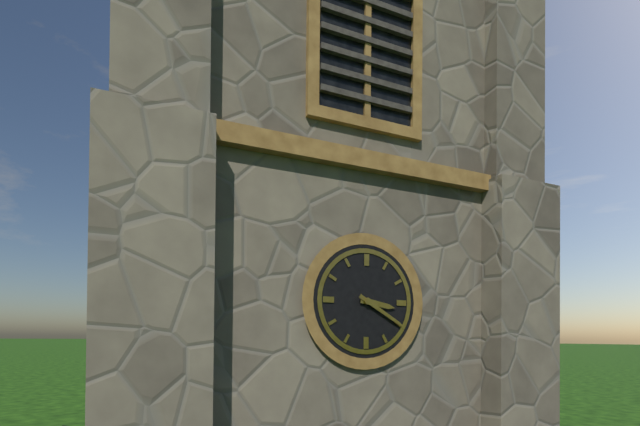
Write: 3h20
